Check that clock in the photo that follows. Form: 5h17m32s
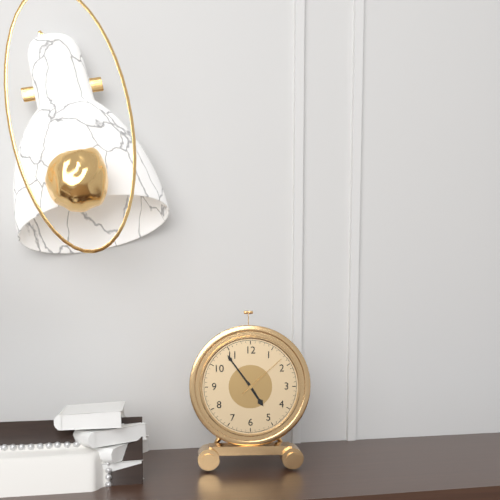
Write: 4h54m08s
